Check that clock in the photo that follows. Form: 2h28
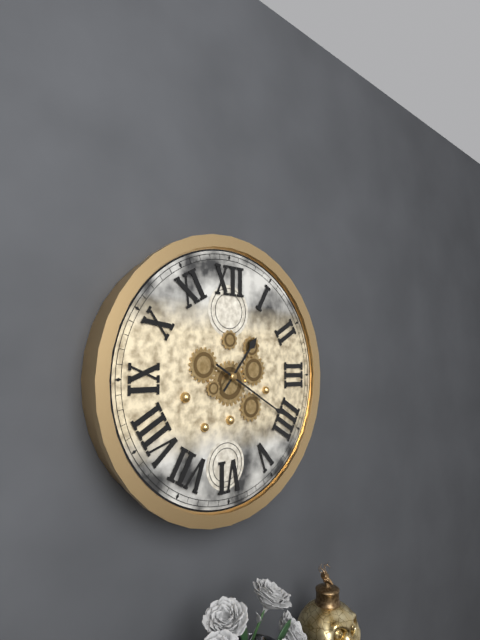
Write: 1h20
